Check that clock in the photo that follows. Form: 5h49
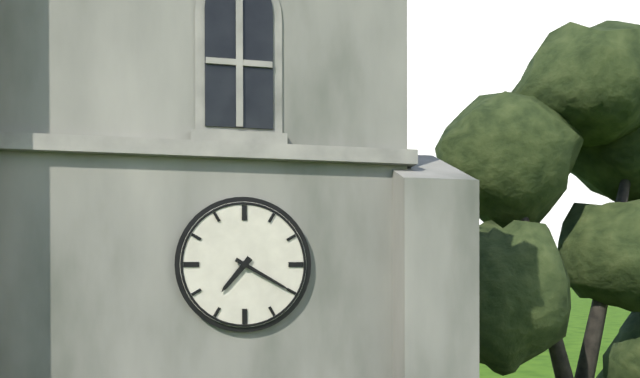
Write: 7h20
